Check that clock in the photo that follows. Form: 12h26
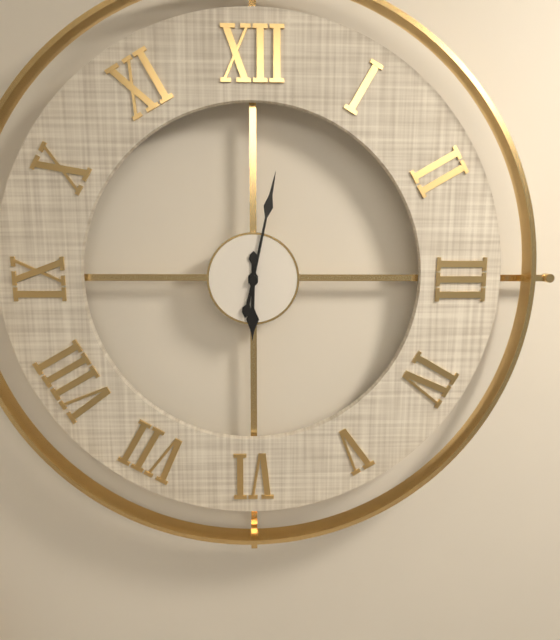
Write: 6h02
